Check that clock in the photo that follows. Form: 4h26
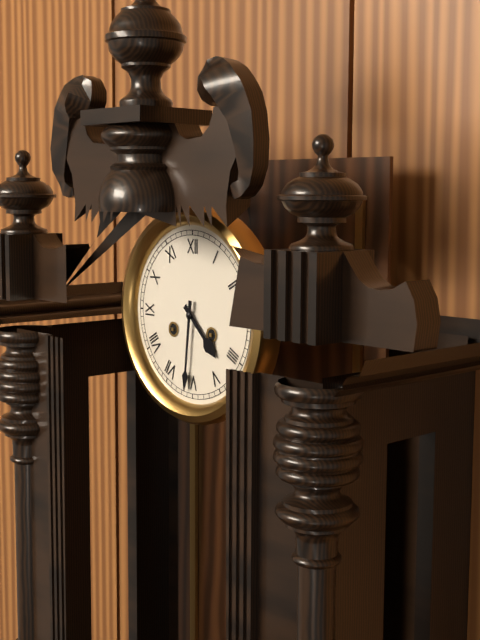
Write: 4h31
